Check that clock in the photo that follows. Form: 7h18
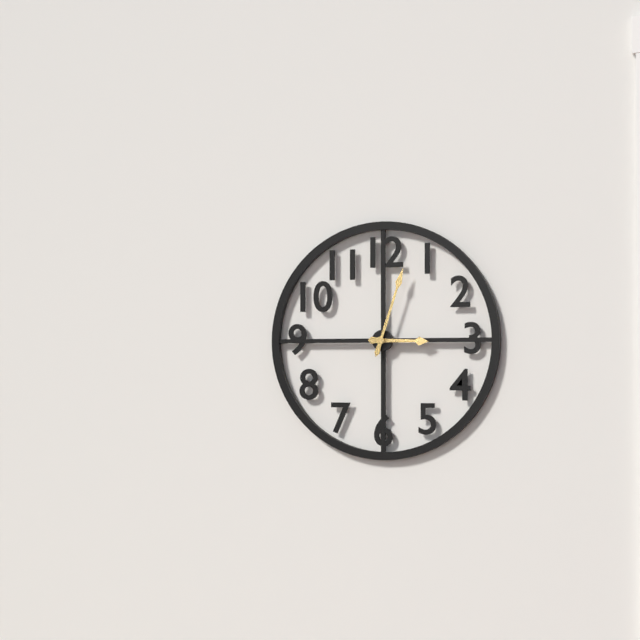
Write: 3h03
